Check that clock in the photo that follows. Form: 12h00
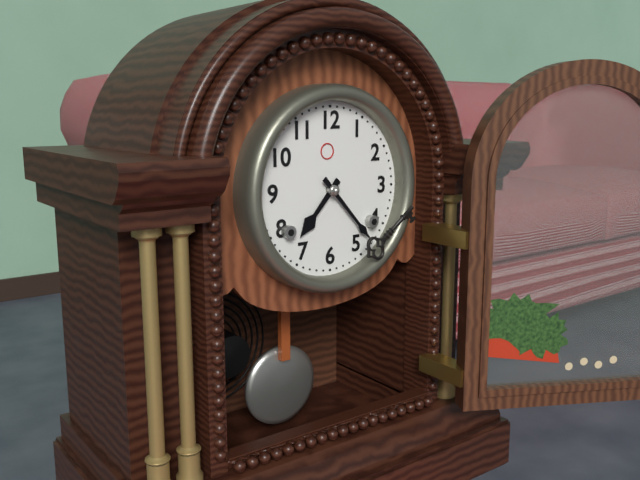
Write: 7h23
